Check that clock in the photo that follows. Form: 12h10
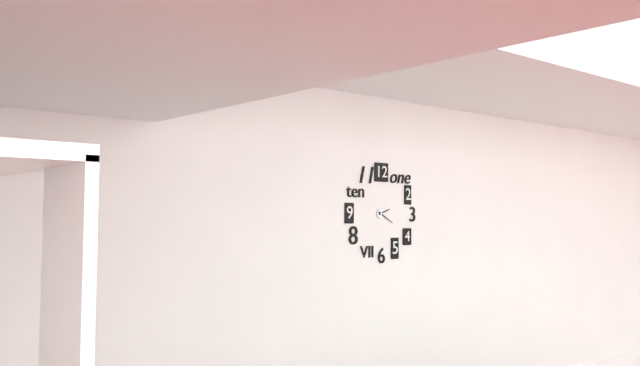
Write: 2h20
